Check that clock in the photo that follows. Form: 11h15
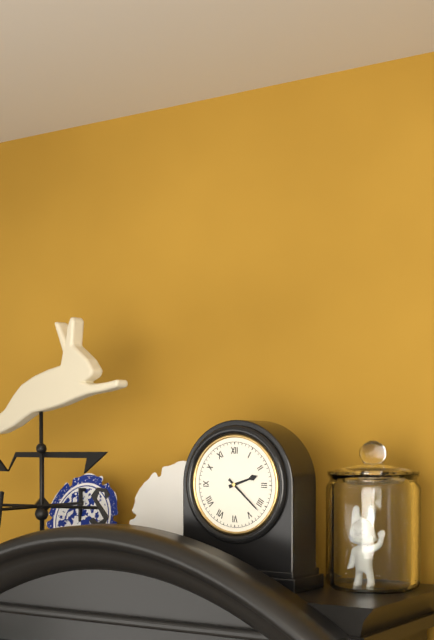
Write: 2h22
